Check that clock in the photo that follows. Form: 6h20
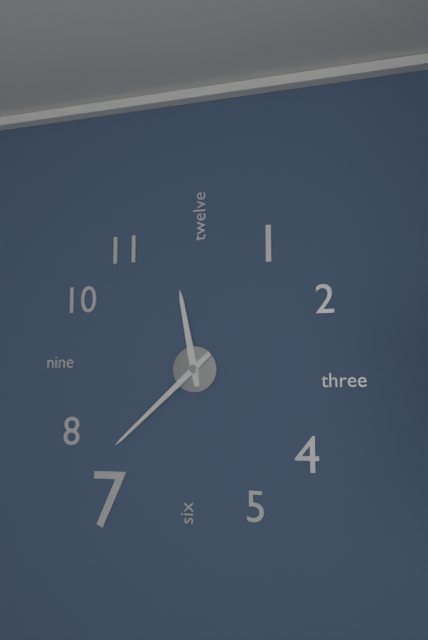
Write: 11h38
